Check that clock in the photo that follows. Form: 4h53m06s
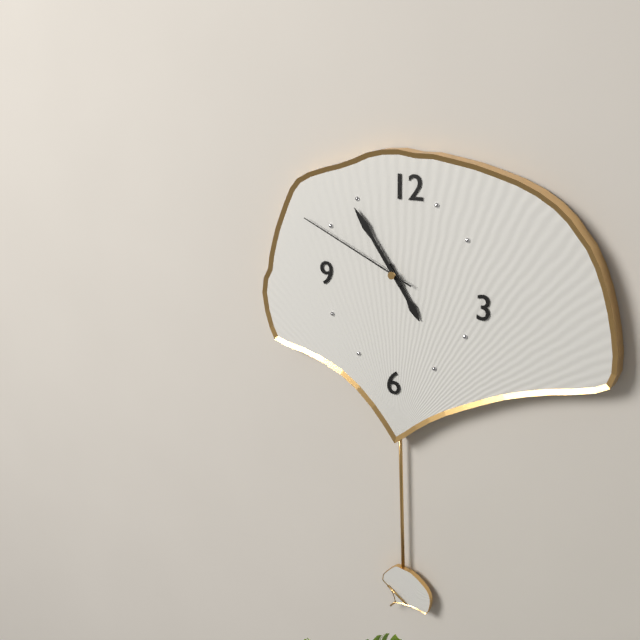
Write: 4h54m49s
